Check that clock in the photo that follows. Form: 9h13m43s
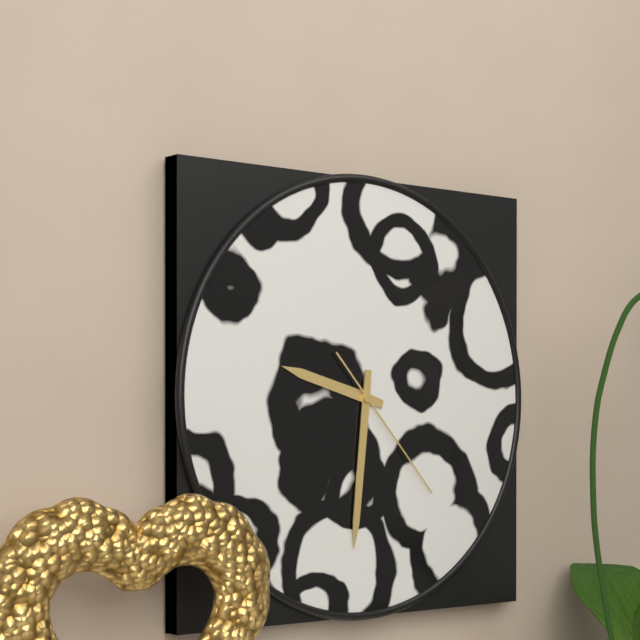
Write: 9h31m23s
